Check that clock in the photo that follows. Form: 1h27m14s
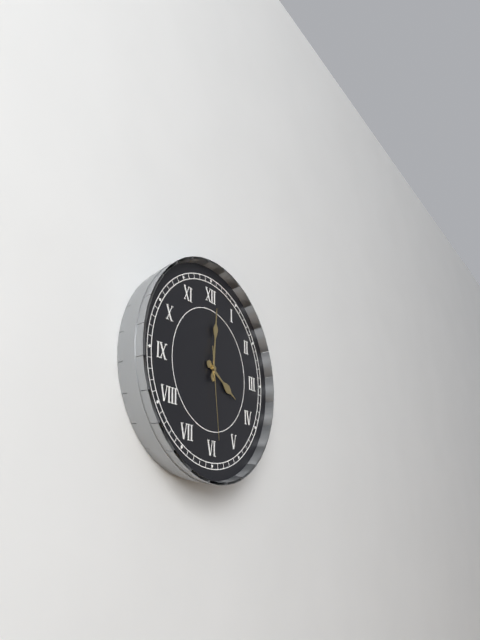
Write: 4h01m29s
